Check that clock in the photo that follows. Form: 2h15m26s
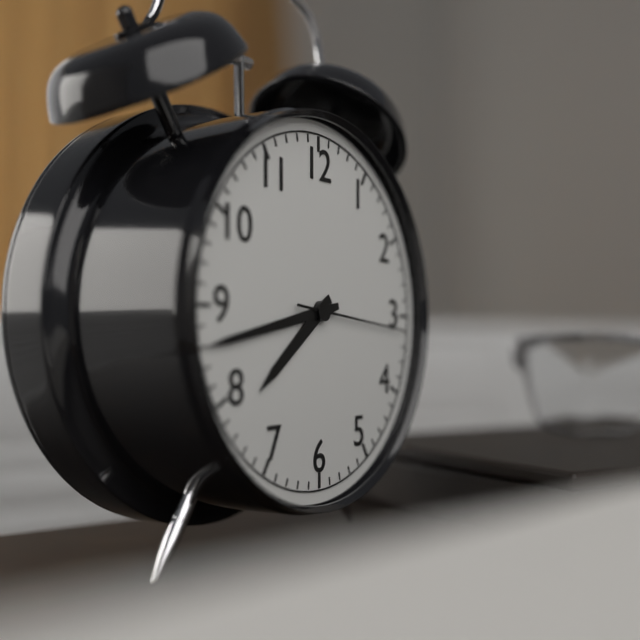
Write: 7h43m16s
